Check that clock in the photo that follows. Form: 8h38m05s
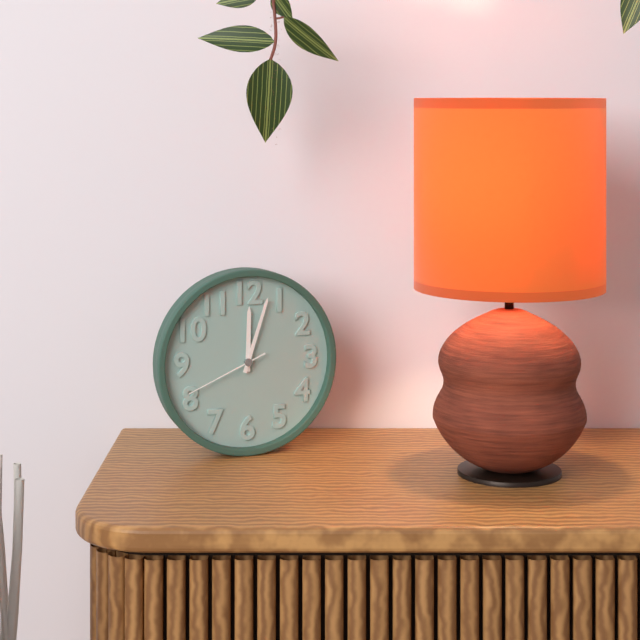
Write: 12h03m41s
